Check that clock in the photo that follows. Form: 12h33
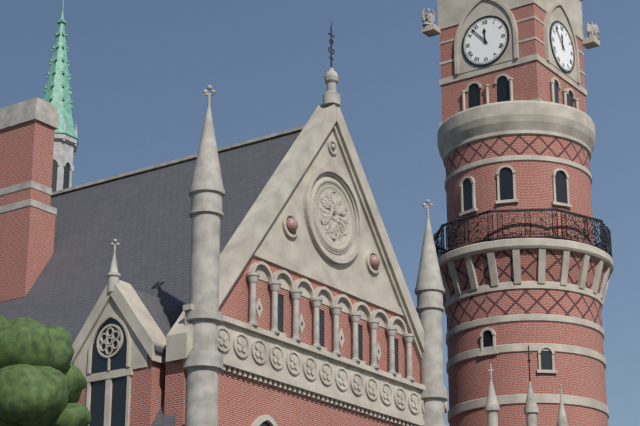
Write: 11h53
